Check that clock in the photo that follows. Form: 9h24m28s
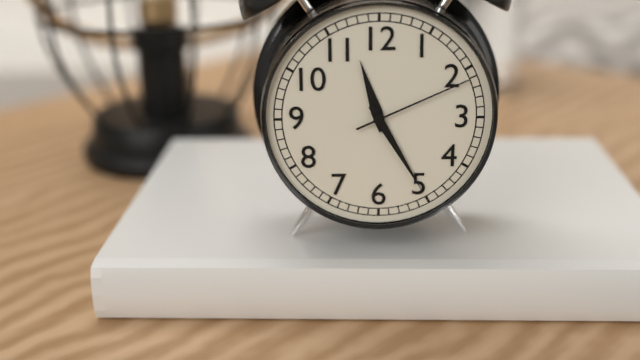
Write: 11h25m11s
